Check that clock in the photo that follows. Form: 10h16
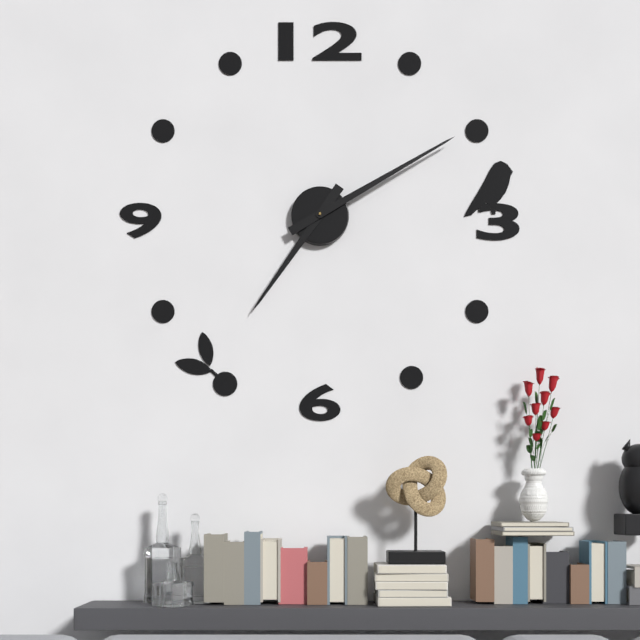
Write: 7h10
